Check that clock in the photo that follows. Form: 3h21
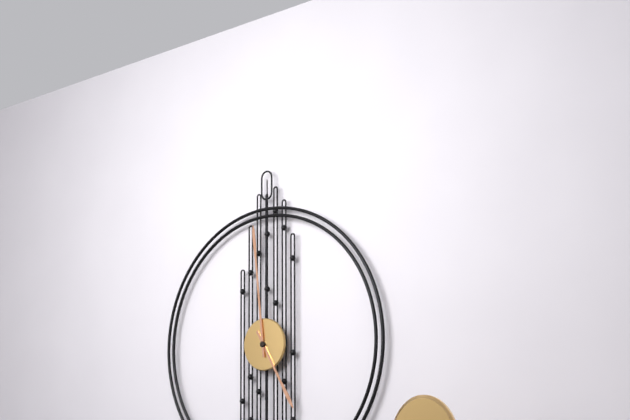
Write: 4h59
